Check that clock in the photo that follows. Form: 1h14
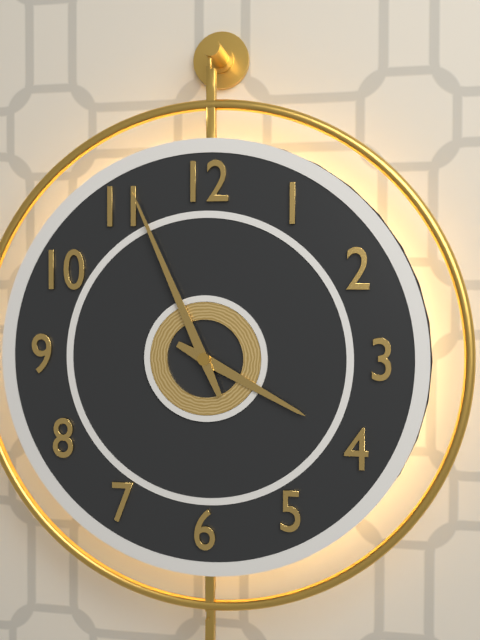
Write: 3h56
